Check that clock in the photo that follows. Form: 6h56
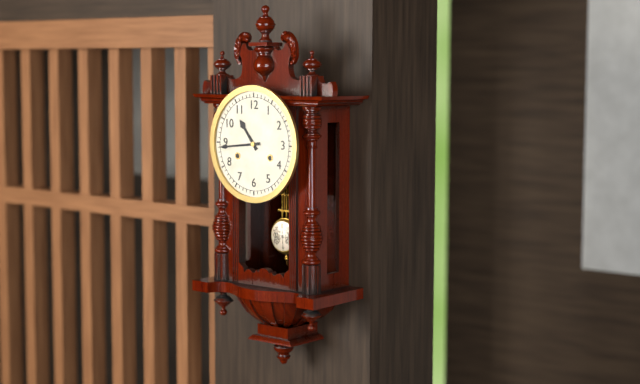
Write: 10h44
